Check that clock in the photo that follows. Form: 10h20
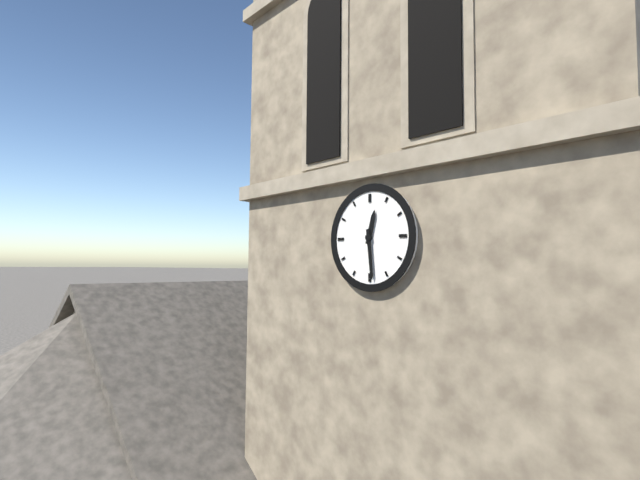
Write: 12h29
